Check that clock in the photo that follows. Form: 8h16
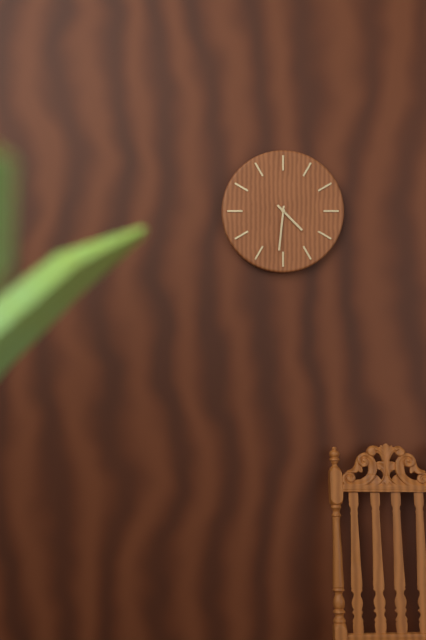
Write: 4h31
